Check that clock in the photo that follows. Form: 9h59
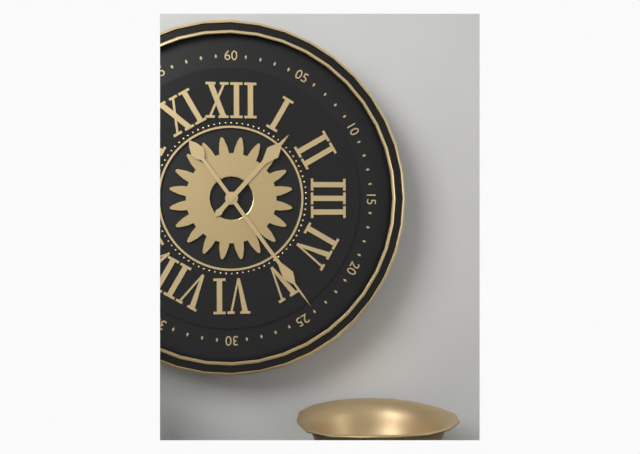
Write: 1h24
